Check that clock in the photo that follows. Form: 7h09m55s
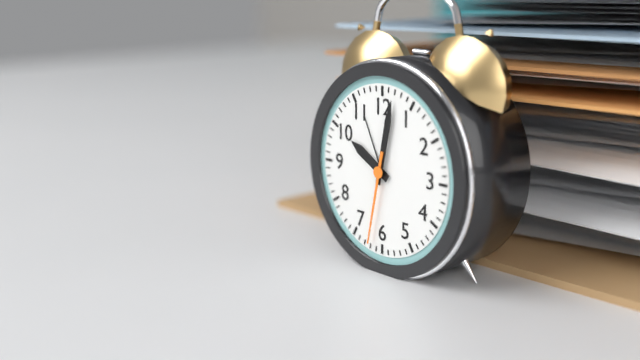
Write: 10h02m32s
